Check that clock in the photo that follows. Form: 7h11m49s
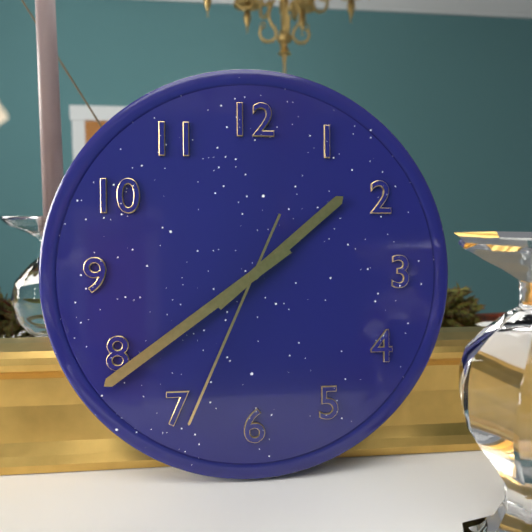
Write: 1h39m34s
